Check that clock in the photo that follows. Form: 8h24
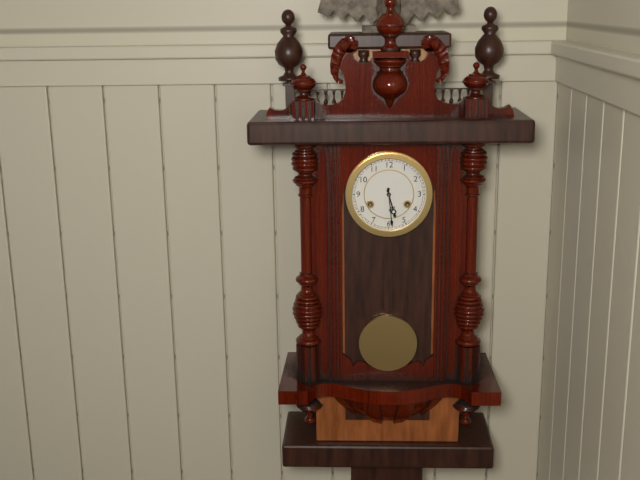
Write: 5h29
